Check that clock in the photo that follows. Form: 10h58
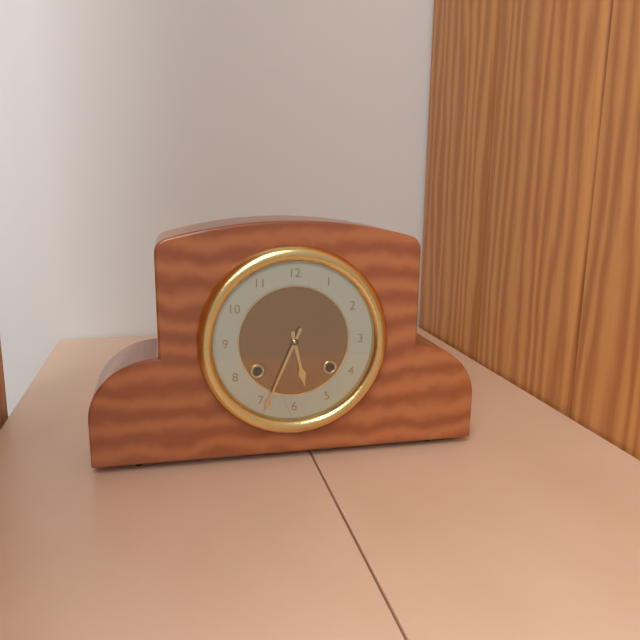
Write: 5h34
